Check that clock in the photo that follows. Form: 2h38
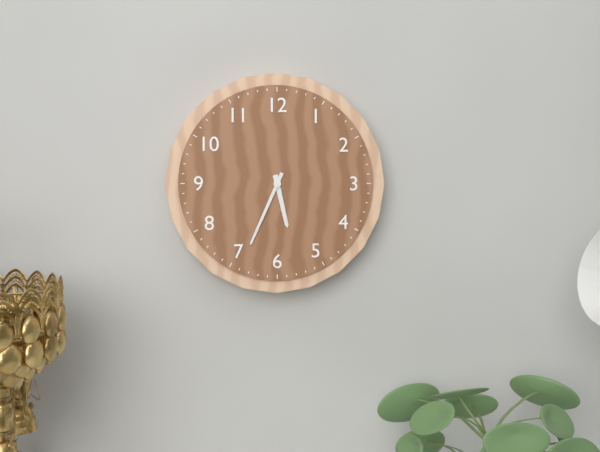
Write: 5h34
